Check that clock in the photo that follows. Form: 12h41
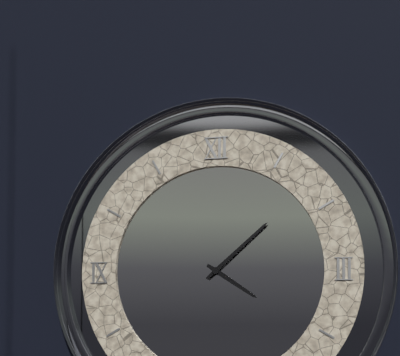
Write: 4h08
